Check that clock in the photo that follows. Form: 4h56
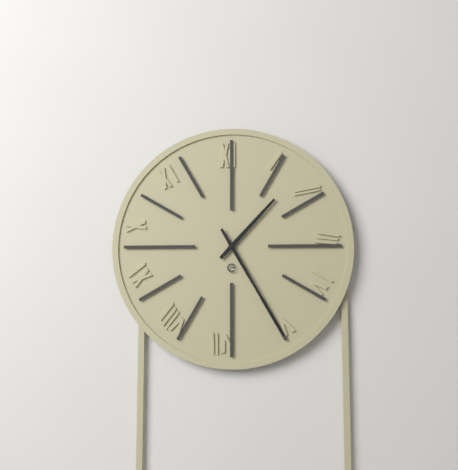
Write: 1h25
